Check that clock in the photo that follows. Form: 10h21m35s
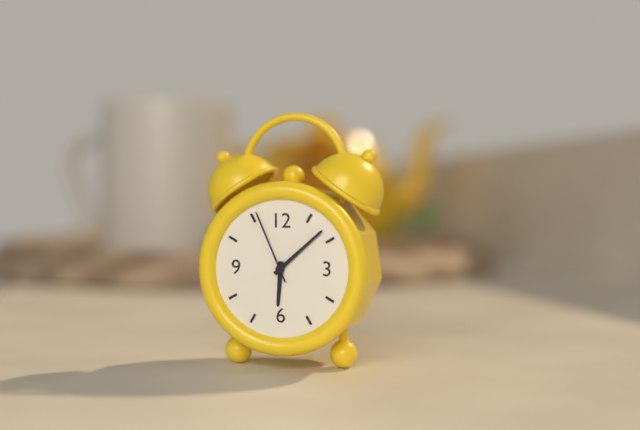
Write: 6h08m56s
